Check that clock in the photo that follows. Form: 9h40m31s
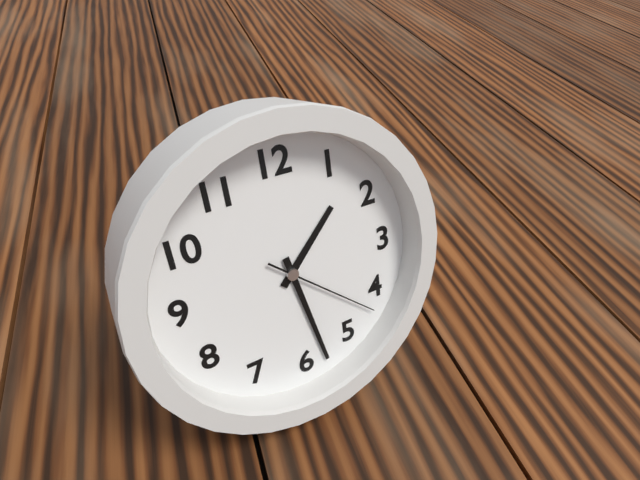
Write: 1h28m22s
